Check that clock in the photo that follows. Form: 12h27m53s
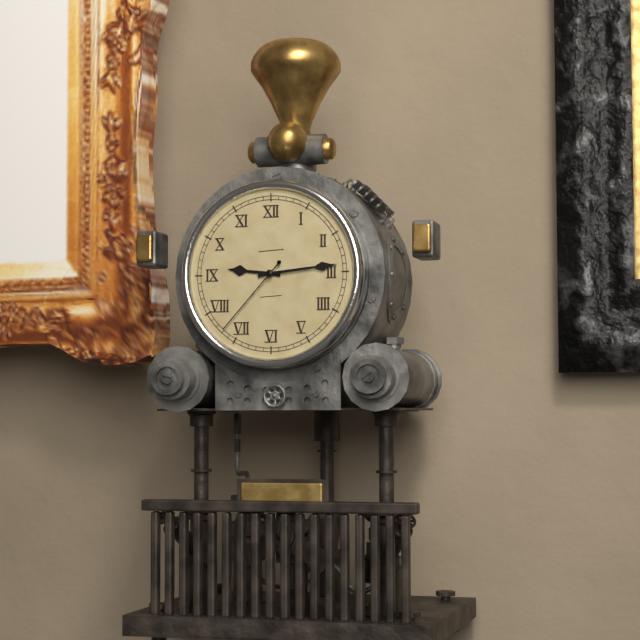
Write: 9h14m37s
